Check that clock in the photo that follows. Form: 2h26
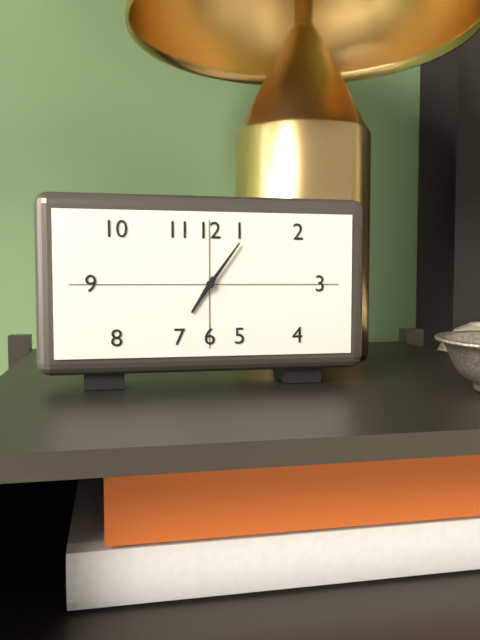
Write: 7h06
